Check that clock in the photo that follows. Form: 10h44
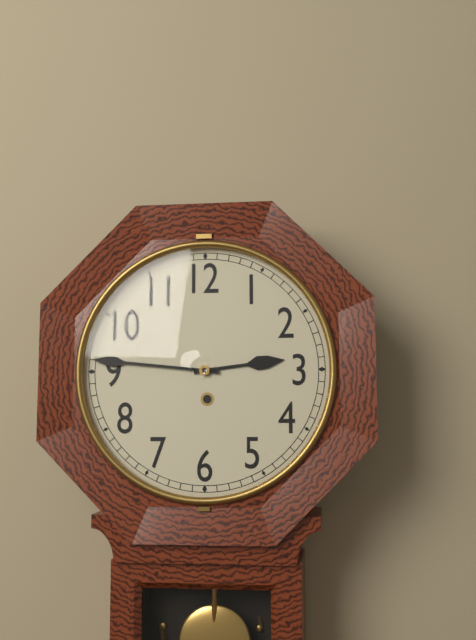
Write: 2h46
